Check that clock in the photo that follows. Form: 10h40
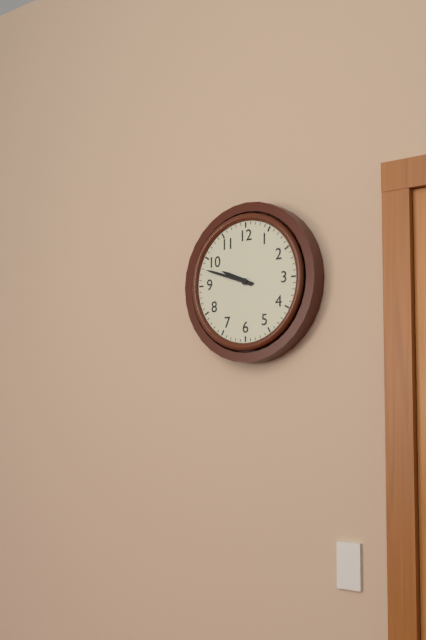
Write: 9h48
